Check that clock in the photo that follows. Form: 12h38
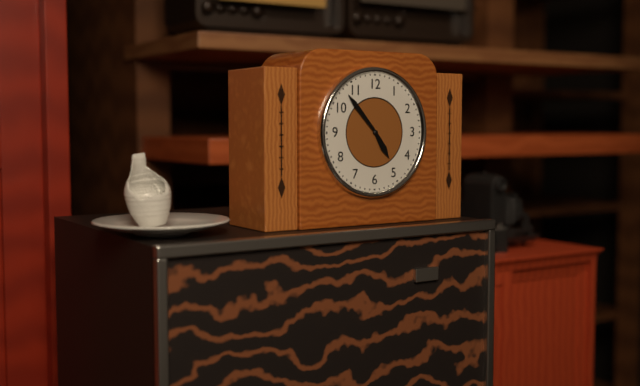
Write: 4h53
